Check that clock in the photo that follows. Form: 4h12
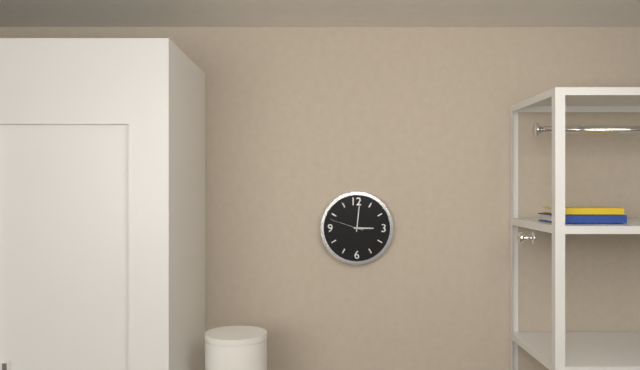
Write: 3h01
